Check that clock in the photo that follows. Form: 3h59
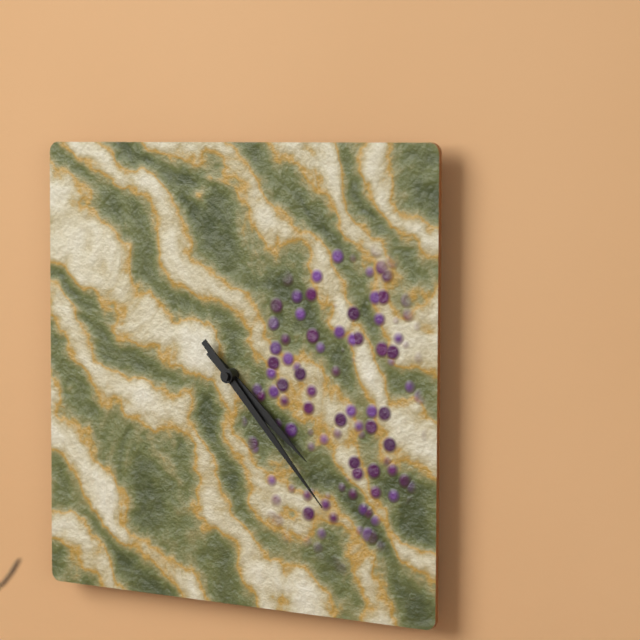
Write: 4h23
